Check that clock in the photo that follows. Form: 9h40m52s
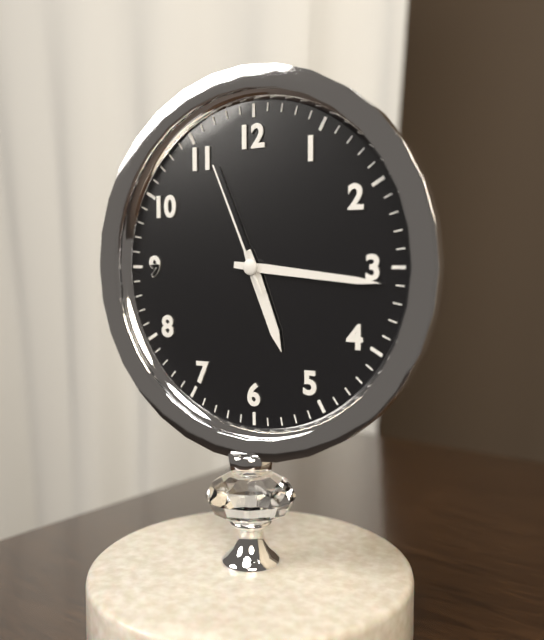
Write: 5h16m56s
